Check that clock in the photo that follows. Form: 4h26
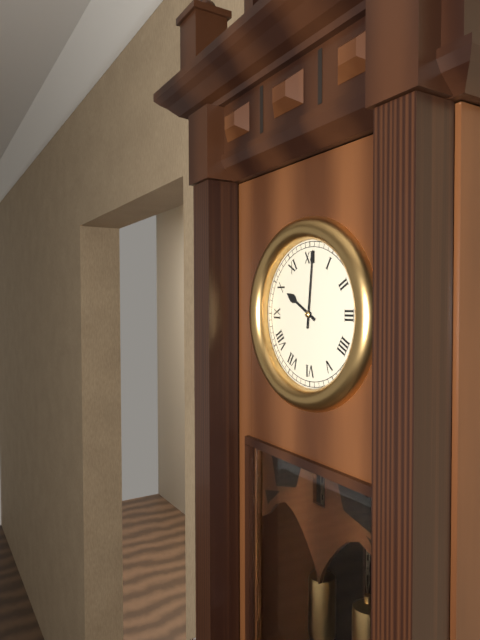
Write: 10h01
